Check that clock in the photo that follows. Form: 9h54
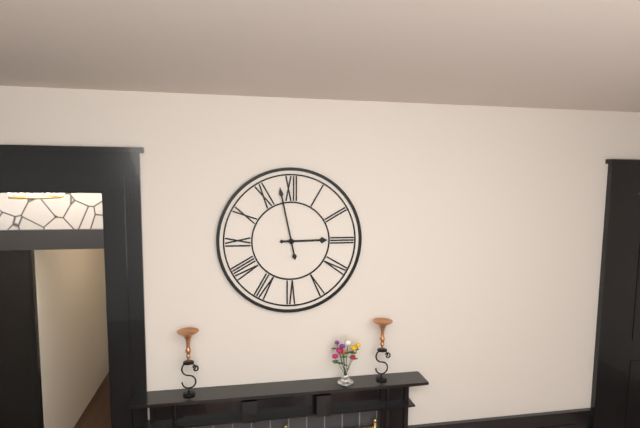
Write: 2h58
